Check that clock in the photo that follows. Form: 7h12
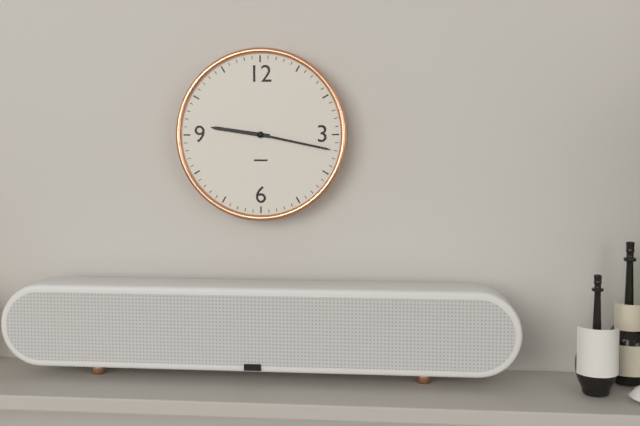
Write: 9h17
